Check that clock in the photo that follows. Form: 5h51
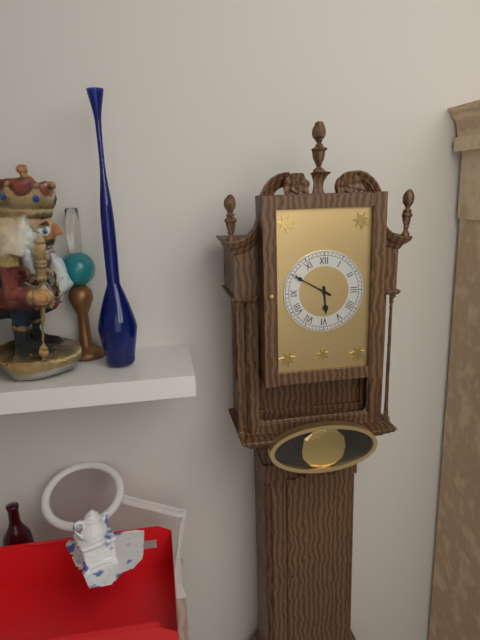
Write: 5h50
